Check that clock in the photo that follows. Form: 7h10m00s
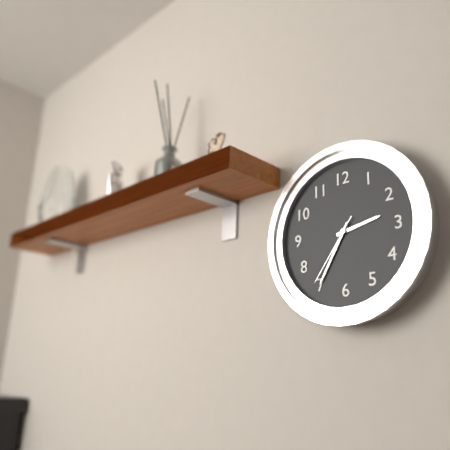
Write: 2h35m36s
